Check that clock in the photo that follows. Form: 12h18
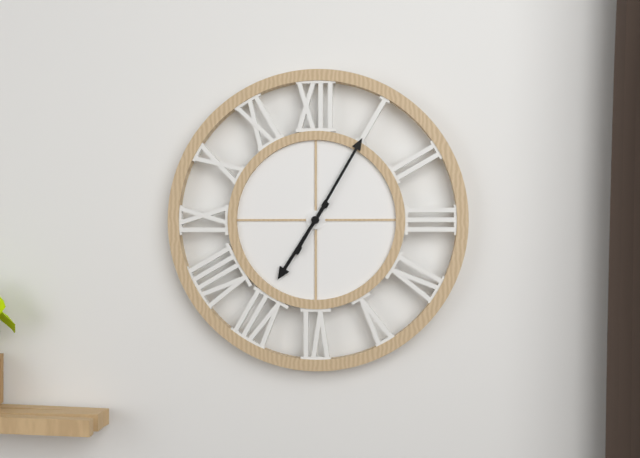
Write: 7h05
